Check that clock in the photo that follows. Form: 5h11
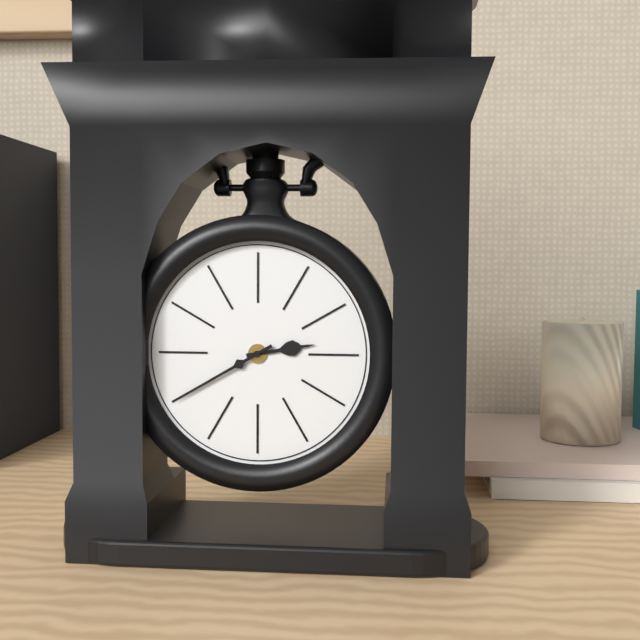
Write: 2h40
